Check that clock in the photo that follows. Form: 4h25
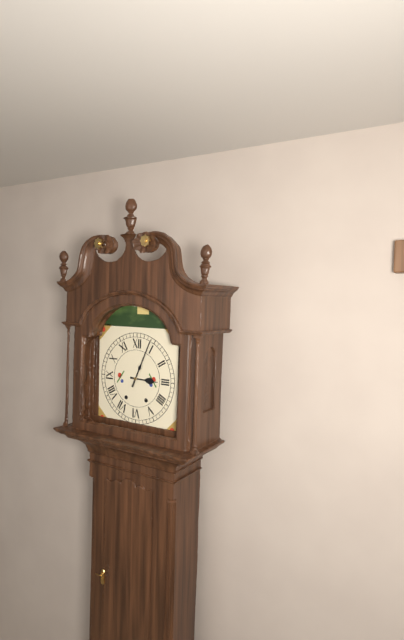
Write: 3h04
